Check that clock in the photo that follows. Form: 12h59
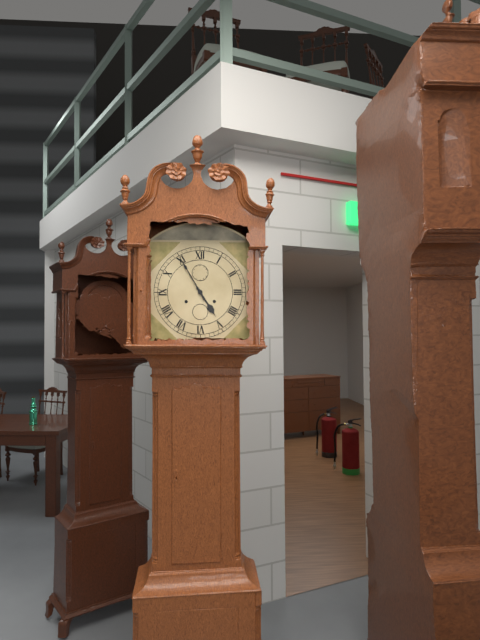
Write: 4h55
